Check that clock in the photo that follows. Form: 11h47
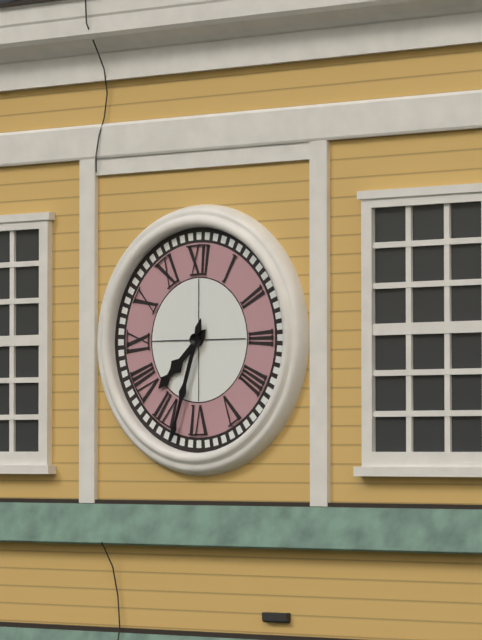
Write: 7h33
